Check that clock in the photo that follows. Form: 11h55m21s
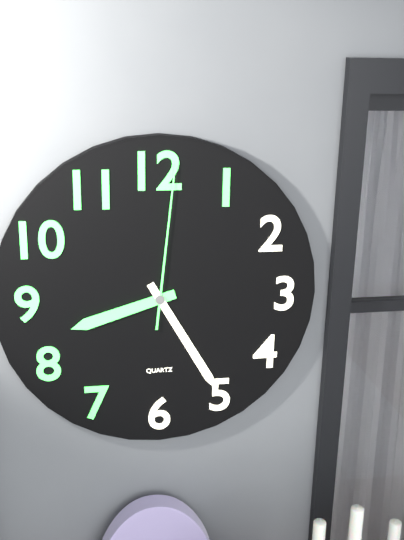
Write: 8h25m01s
